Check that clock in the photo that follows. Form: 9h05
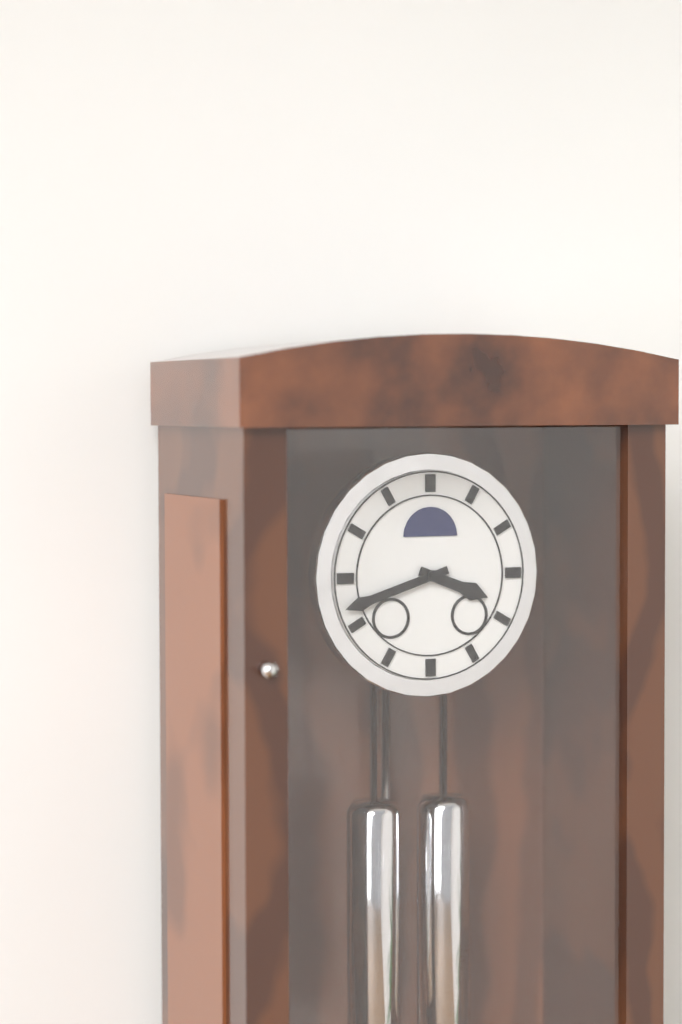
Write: 3h42
